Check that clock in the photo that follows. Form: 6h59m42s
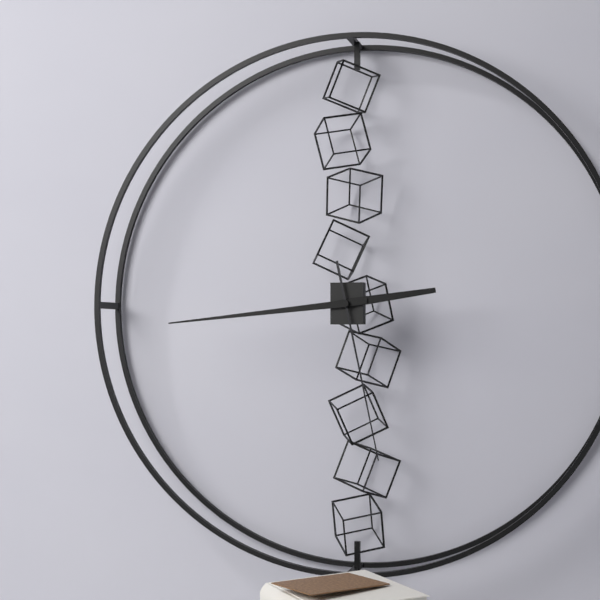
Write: 2h44m28s
